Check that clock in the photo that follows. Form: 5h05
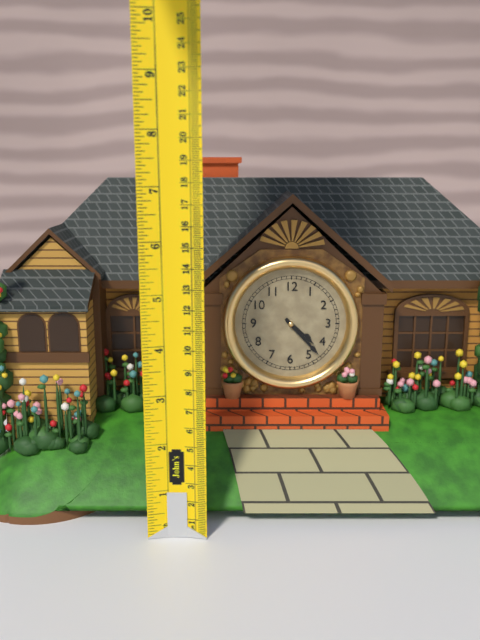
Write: 4h23
